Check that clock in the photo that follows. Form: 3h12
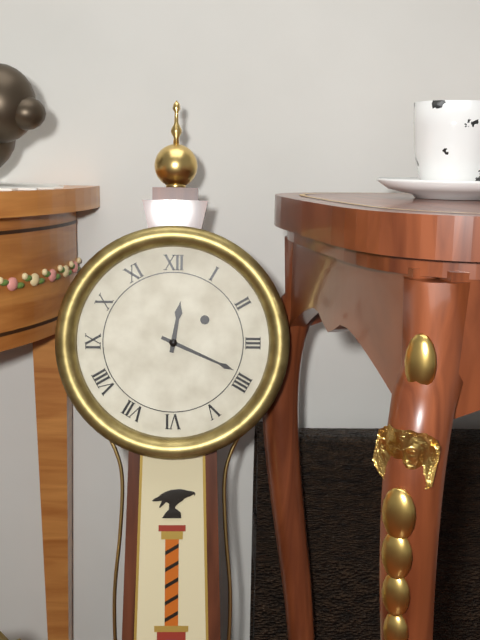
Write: 12h19
